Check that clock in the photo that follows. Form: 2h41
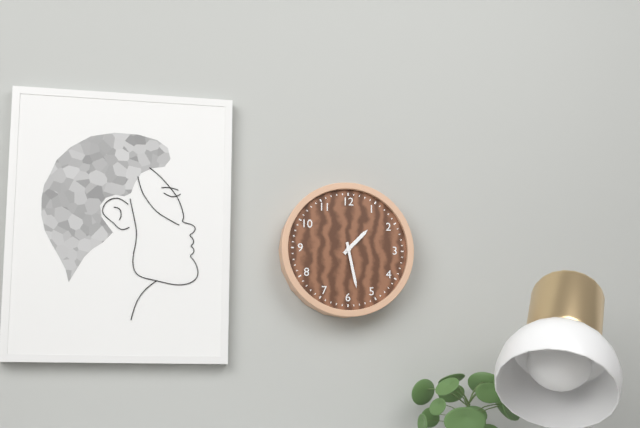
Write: 1h28
